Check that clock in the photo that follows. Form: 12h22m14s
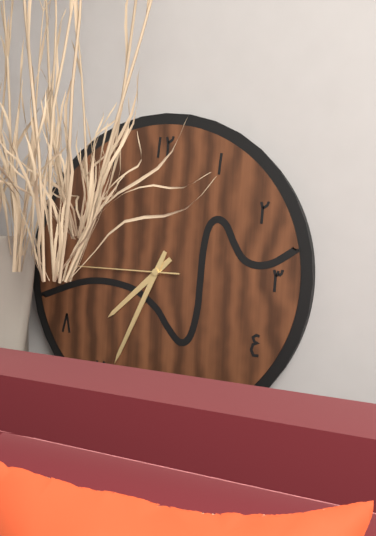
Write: 7h34m45s
